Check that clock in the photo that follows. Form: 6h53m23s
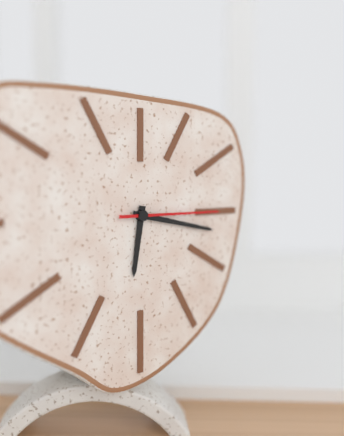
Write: 6h17m15s
